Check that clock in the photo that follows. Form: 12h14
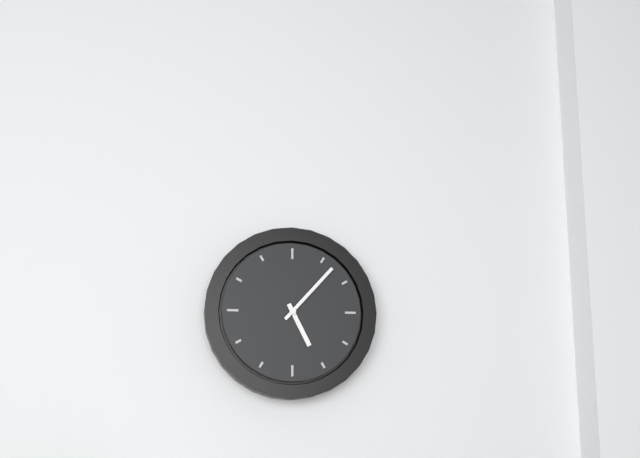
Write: 5h07
